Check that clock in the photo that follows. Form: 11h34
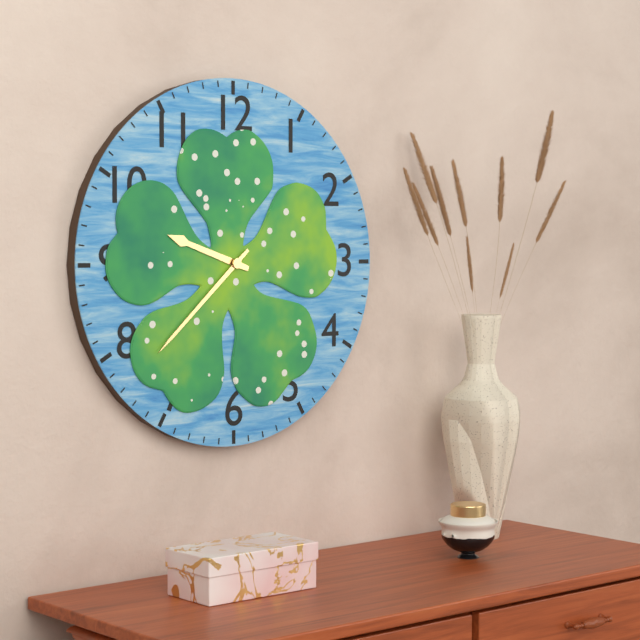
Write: 9h38
